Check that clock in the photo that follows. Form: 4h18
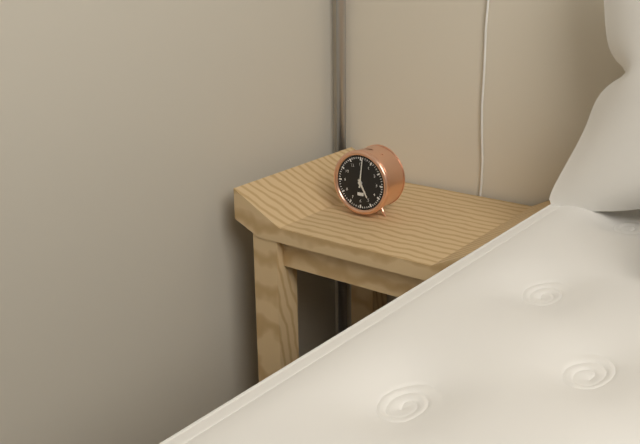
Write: 5h01
